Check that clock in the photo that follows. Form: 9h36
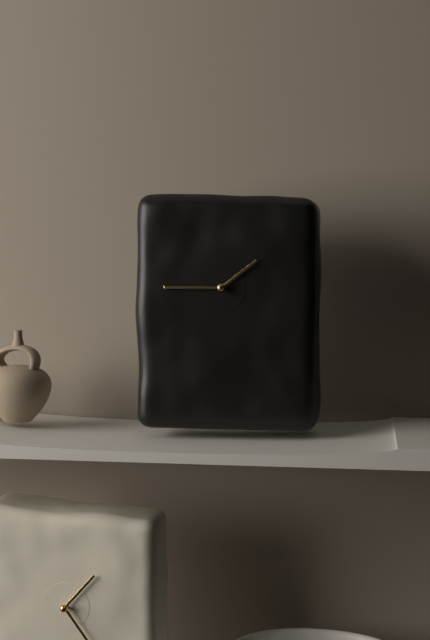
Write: 1h45
